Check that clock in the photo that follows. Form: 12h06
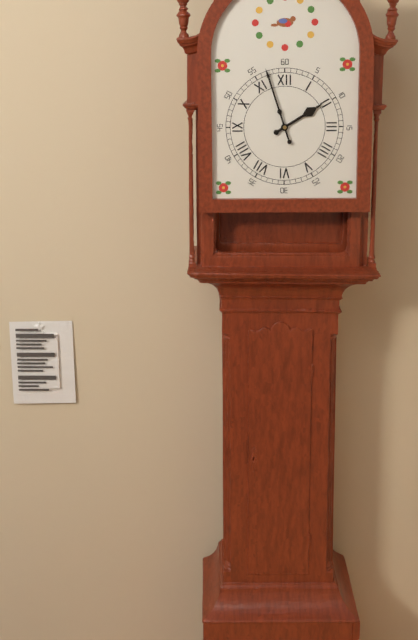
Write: 1h57
